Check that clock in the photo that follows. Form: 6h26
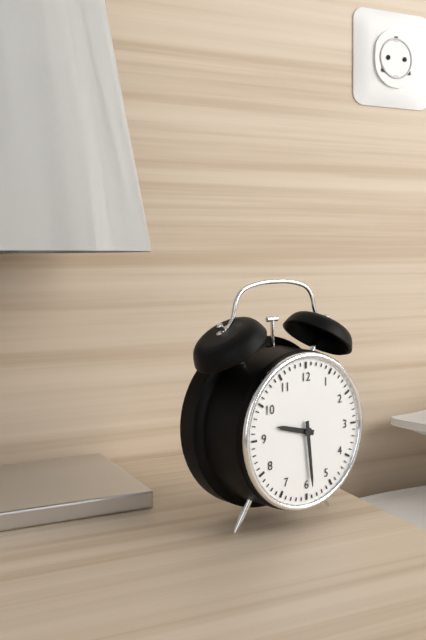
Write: 9h29
